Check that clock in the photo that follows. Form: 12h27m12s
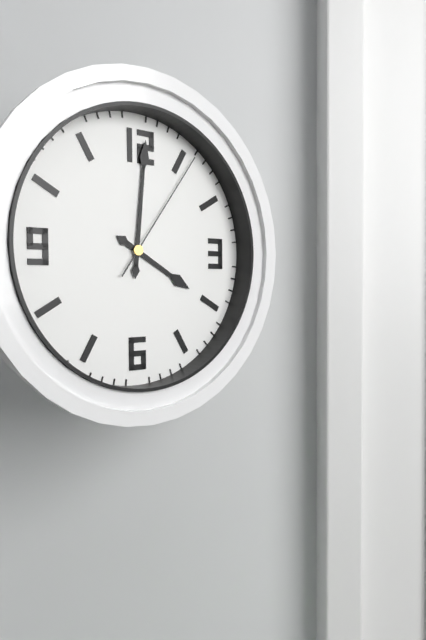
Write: 4h01m06s
